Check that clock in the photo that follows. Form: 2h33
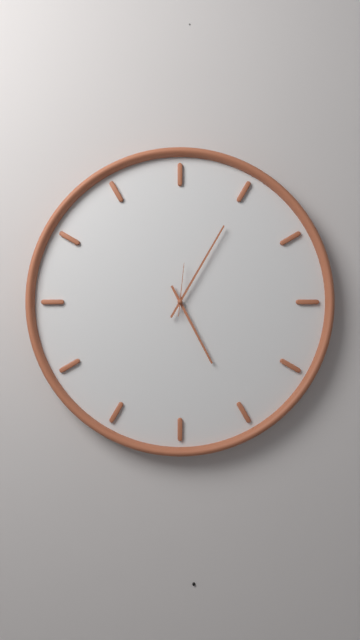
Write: 5h05
